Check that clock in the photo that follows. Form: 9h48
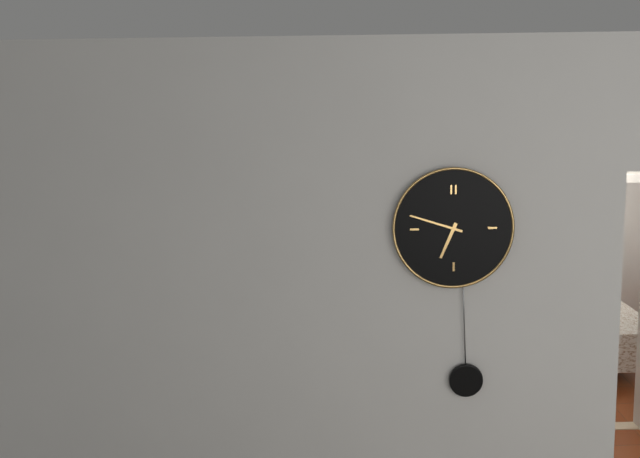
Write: 6h48
